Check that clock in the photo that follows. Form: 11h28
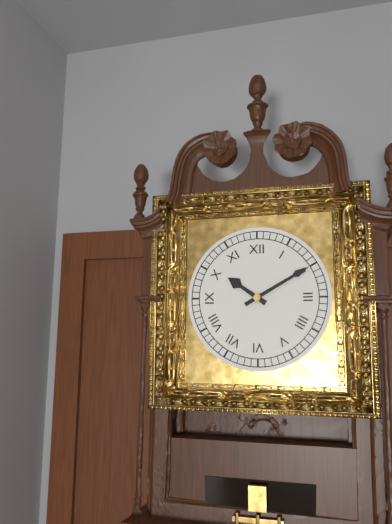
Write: 10h10
